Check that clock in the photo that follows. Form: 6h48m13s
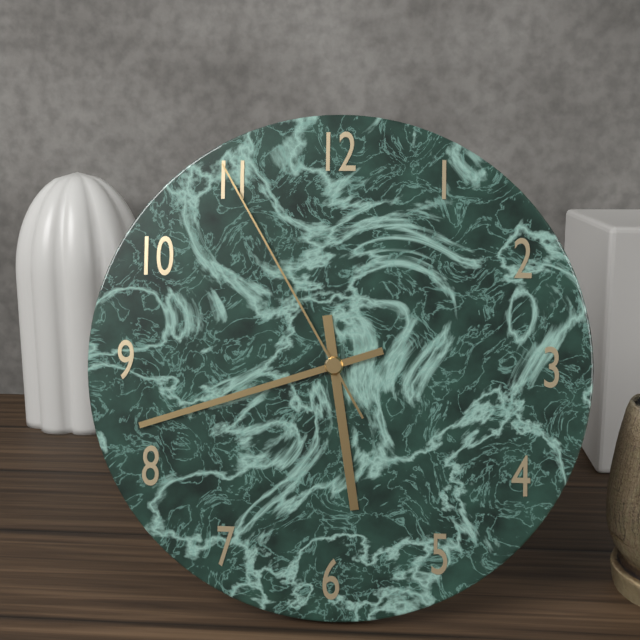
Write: 5h42m55s
